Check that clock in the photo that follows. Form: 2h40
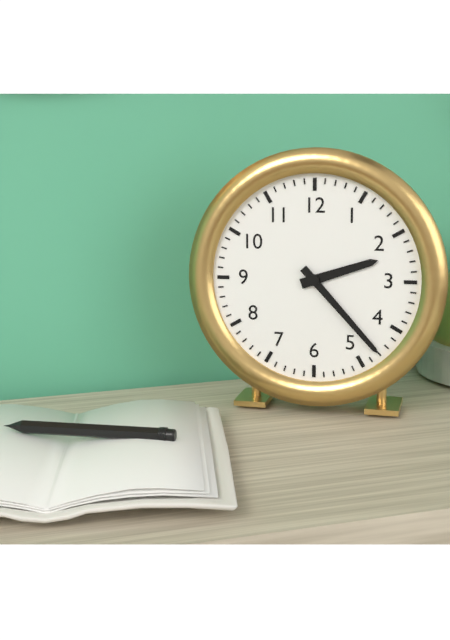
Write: 2h23
